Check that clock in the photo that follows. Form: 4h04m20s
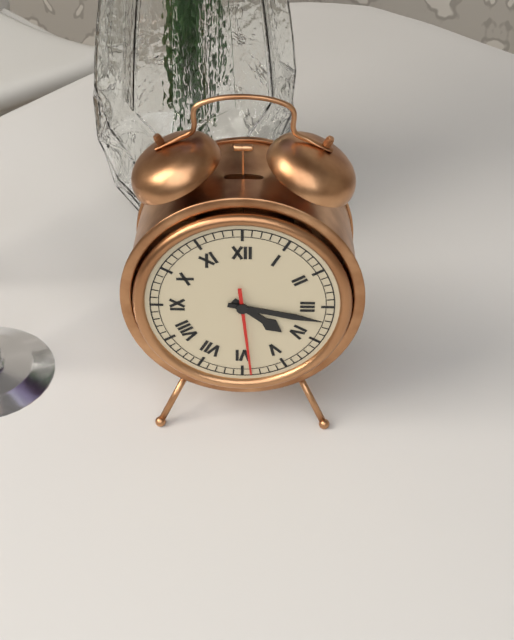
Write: 4h17m29s
